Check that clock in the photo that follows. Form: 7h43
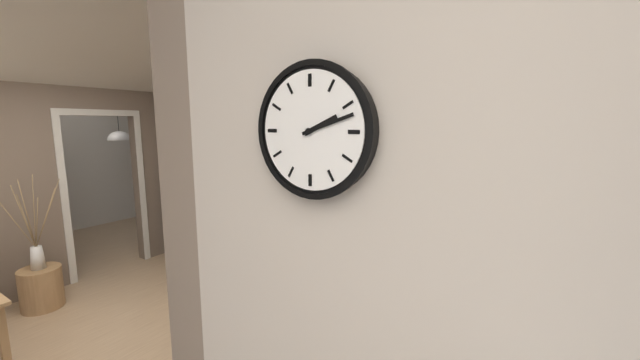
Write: 2h12
